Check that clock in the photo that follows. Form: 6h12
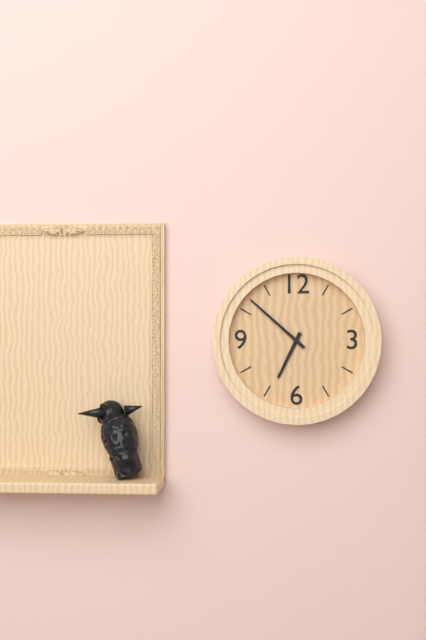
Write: 6h52
